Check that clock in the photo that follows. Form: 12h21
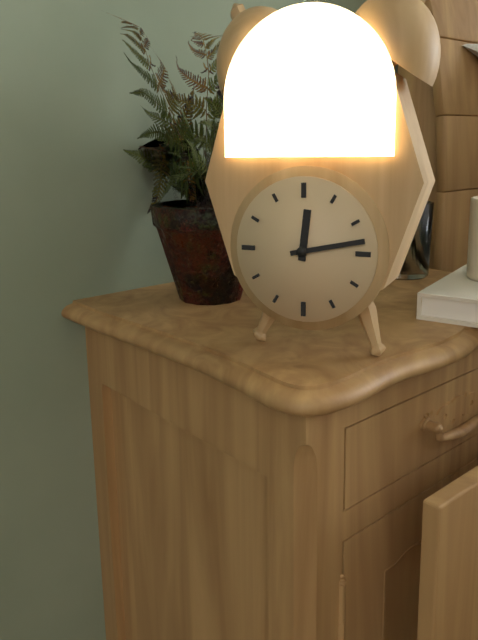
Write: 12h13
